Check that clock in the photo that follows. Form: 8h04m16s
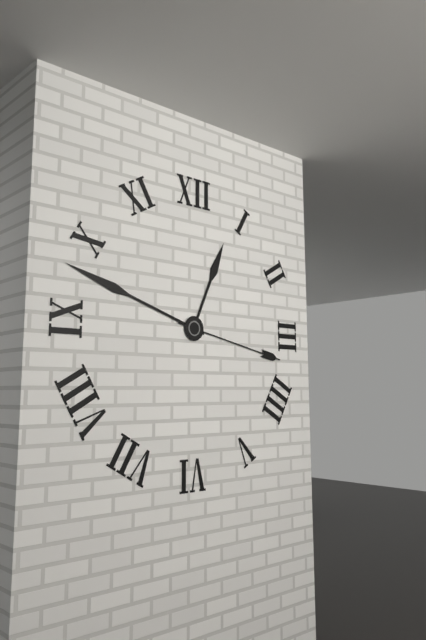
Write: 12h48m17s
